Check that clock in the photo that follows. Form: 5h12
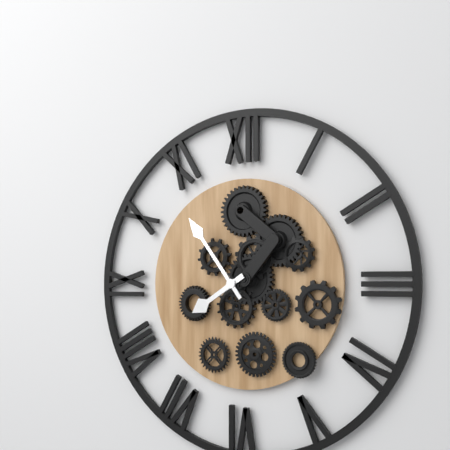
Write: 7h54
